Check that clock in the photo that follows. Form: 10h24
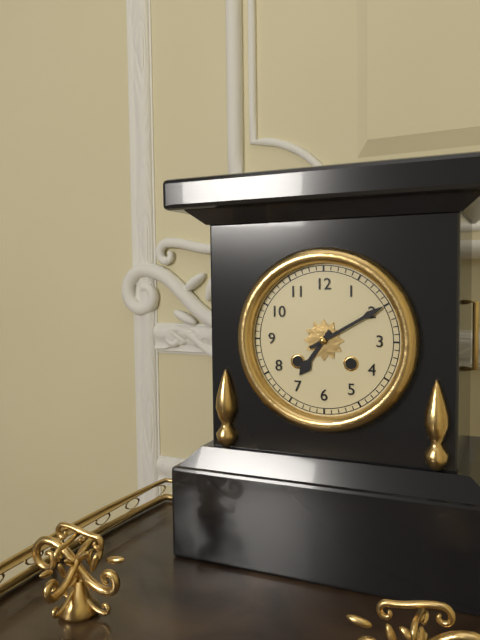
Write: 7h10
